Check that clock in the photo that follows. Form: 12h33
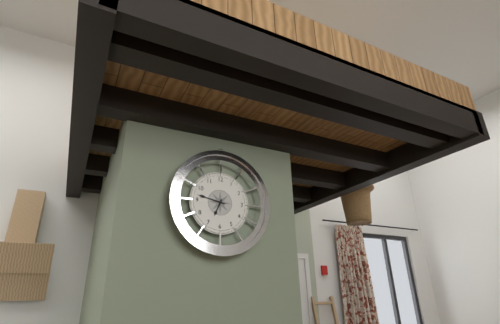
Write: 6h47
